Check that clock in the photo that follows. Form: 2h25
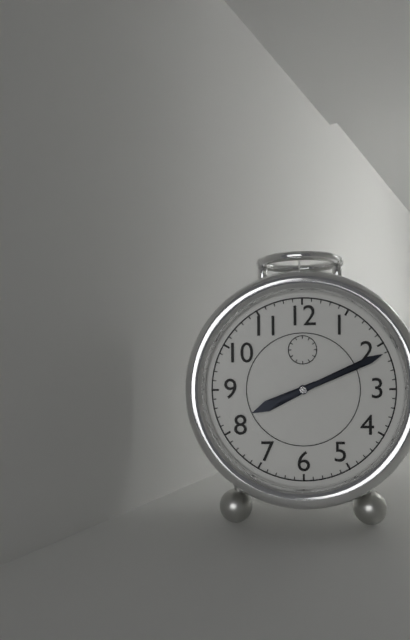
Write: 8h11
